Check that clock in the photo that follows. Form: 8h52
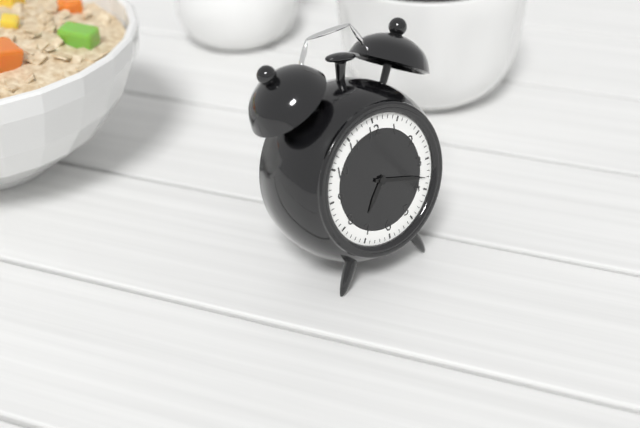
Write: 7h18
